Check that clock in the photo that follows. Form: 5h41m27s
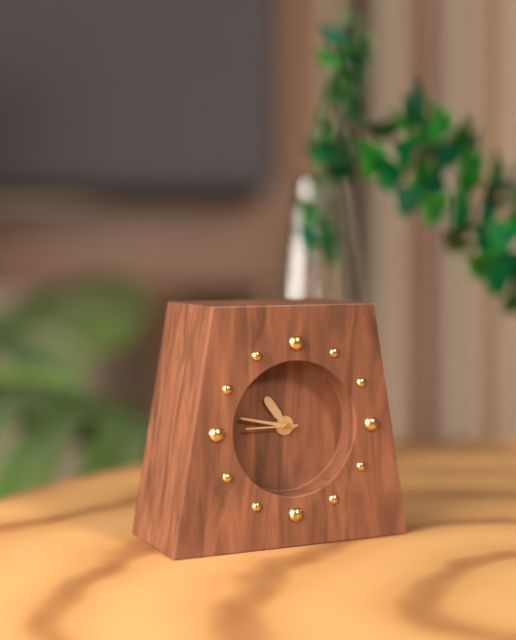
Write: 10h47m45s
